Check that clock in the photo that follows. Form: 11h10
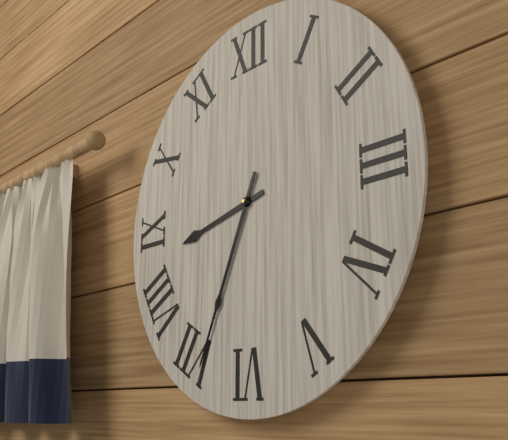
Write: 8h34
